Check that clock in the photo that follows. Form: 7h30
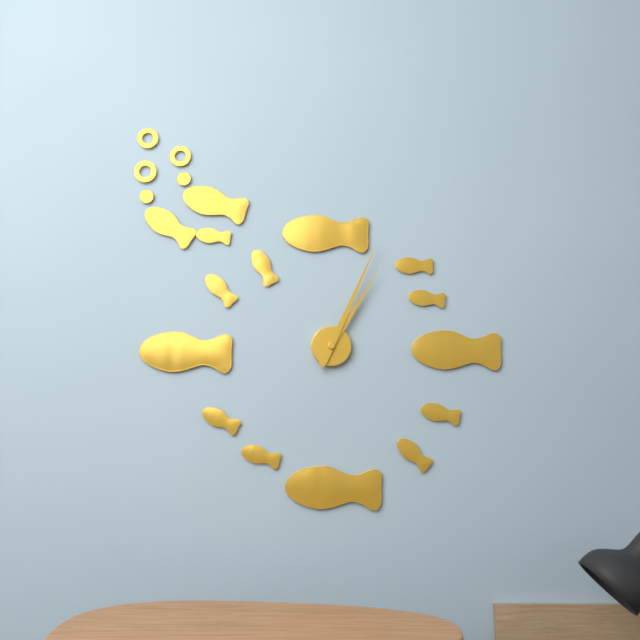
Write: 1h04
